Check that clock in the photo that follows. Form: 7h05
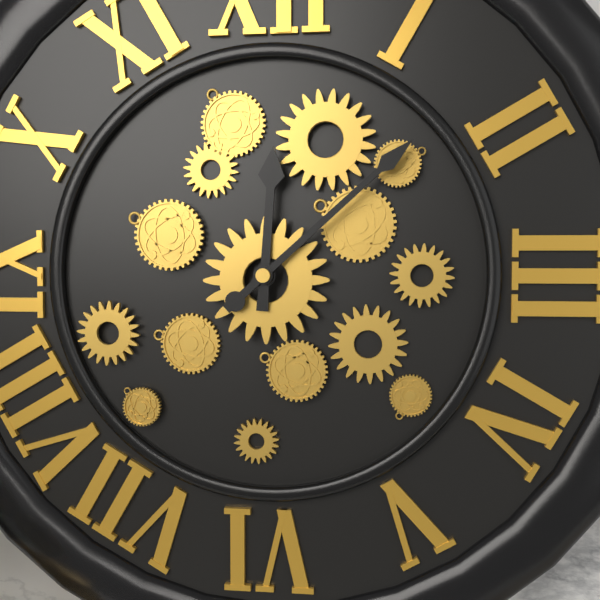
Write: 12h08
